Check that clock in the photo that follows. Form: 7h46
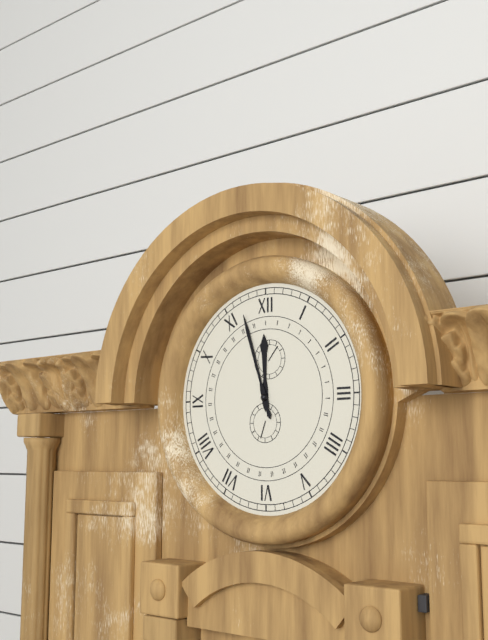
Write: 11h57
